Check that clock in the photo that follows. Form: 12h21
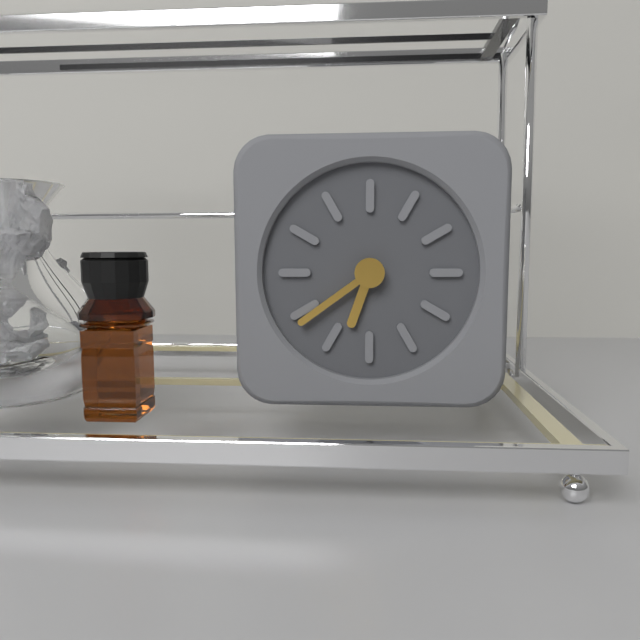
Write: 6h39
